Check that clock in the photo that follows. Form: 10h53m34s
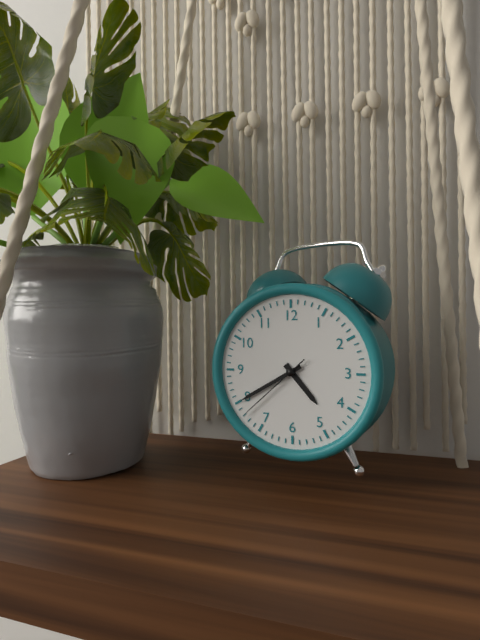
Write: 4h40m38s
